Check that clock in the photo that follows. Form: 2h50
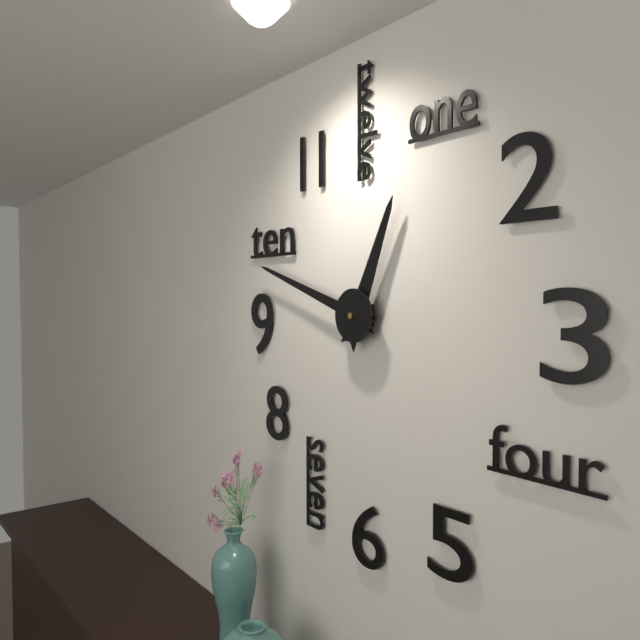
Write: 12h48
